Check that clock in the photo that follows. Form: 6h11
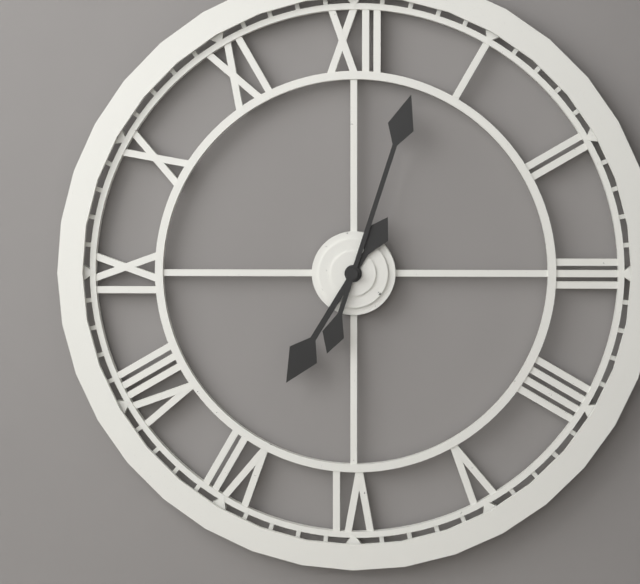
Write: 7h03
